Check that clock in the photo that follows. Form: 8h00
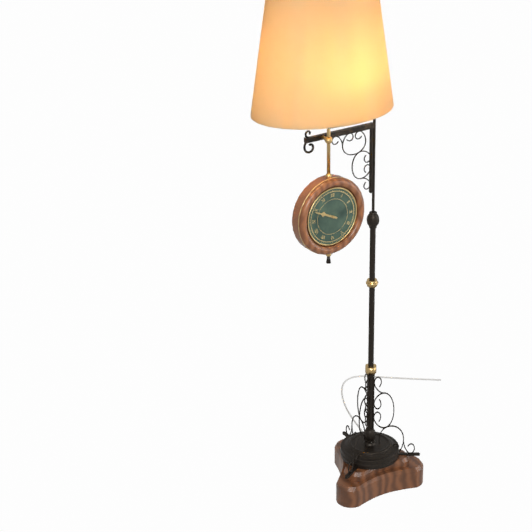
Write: 9h49
